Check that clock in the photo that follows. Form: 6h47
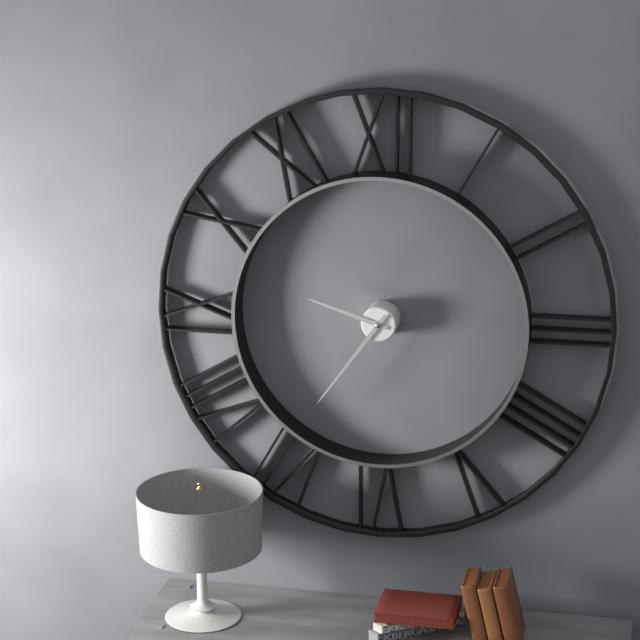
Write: 9h36
